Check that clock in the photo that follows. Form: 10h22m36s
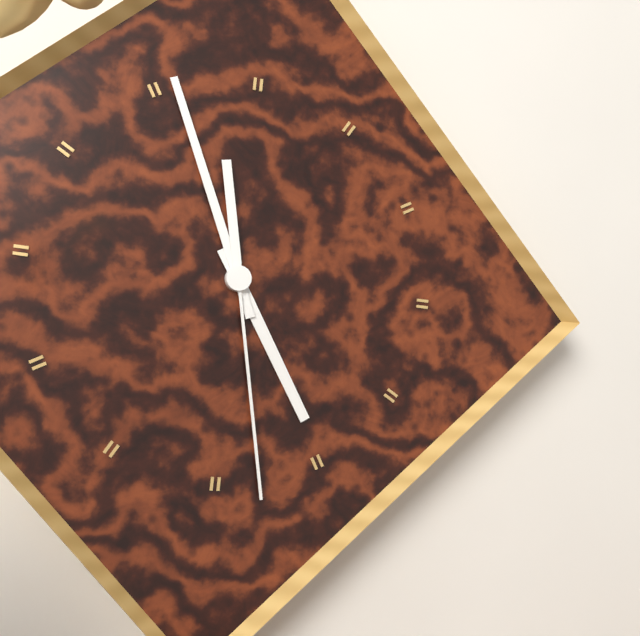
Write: 4h56m28s
